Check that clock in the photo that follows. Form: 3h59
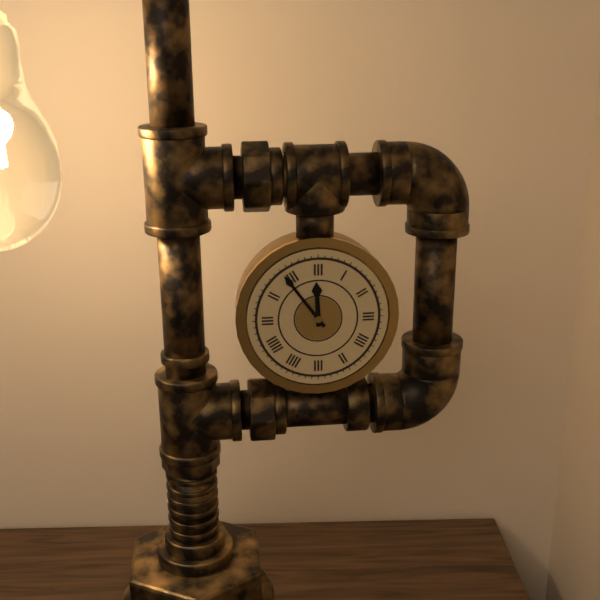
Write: 11h54
